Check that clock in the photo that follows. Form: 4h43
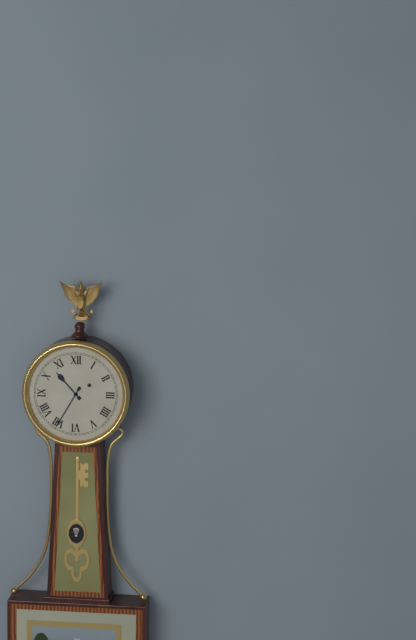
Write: 10h35
